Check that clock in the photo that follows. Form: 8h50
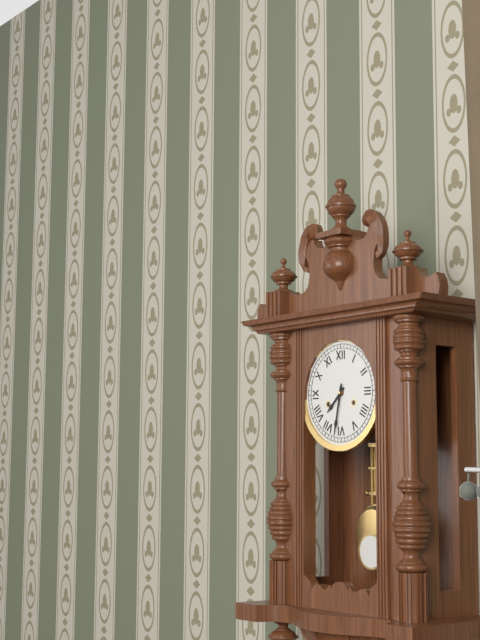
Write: 7h32
